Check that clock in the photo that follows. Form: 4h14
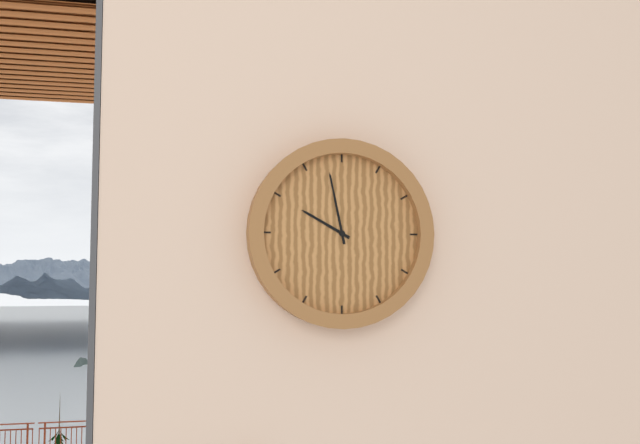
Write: 9h58
